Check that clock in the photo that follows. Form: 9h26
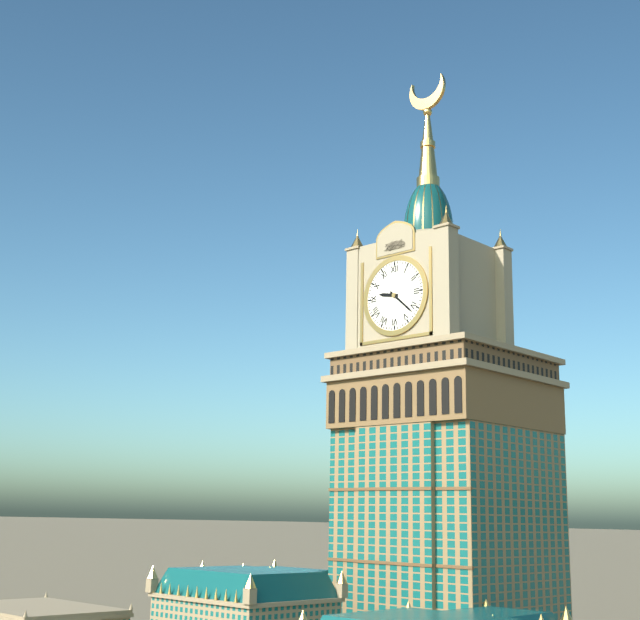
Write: 9h22
